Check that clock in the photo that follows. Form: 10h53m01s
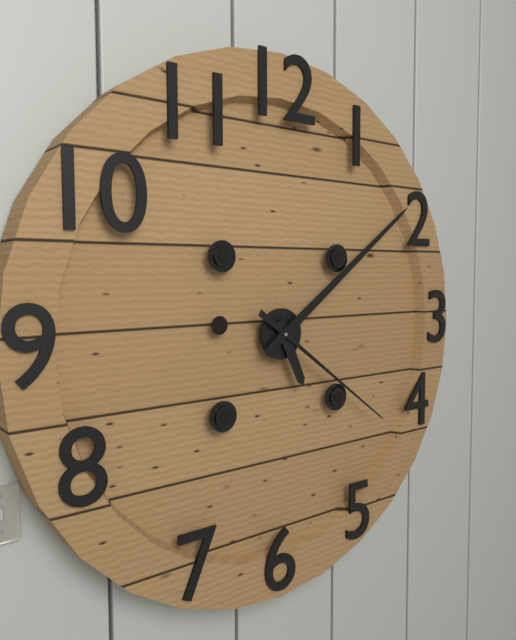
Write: 5h09m21s
